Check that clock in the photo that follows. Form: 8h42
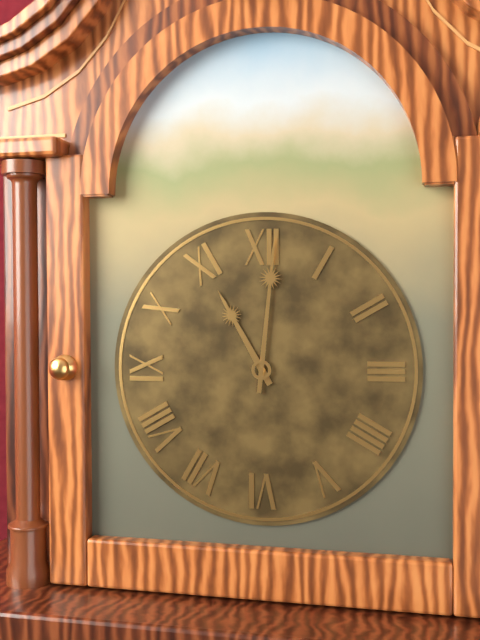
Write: 11h01
